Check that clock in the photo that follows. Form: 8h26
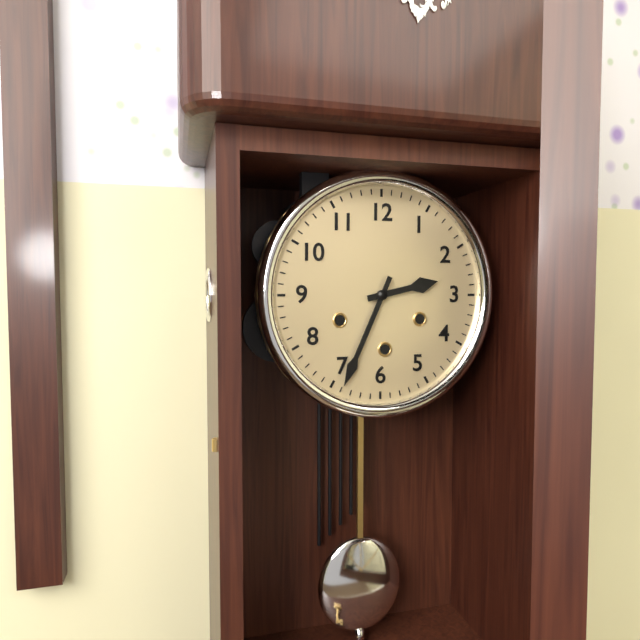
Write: 2h34
